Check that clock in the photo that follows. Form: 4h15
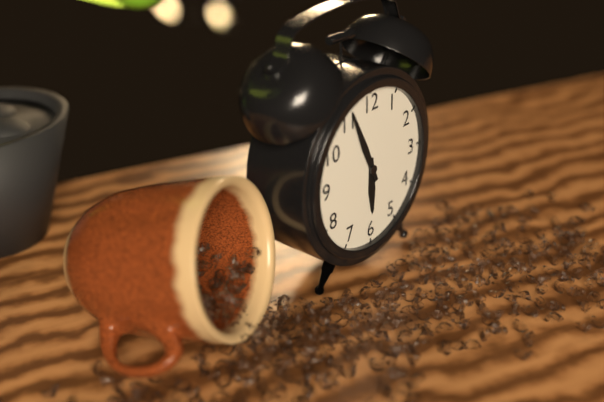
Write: 5h56
